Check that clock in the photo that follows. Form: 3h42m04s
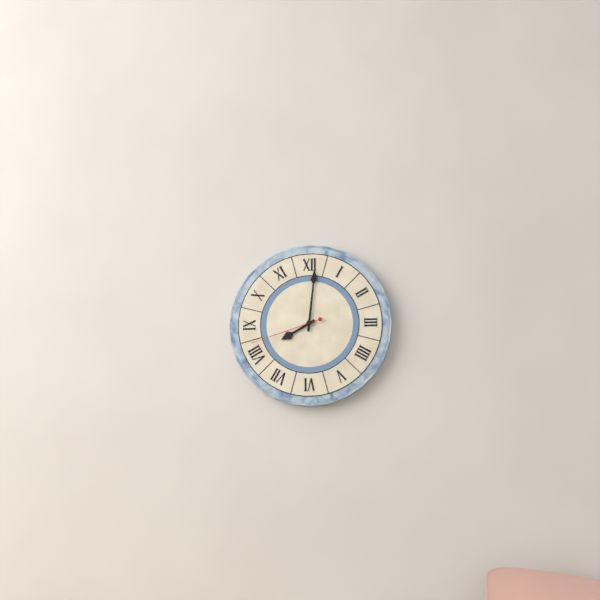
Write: 8h01m42s
